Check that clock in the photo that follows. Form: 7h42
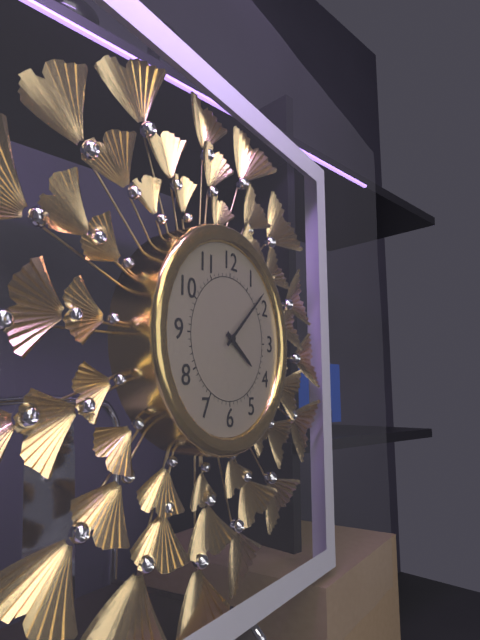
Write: 4h08
